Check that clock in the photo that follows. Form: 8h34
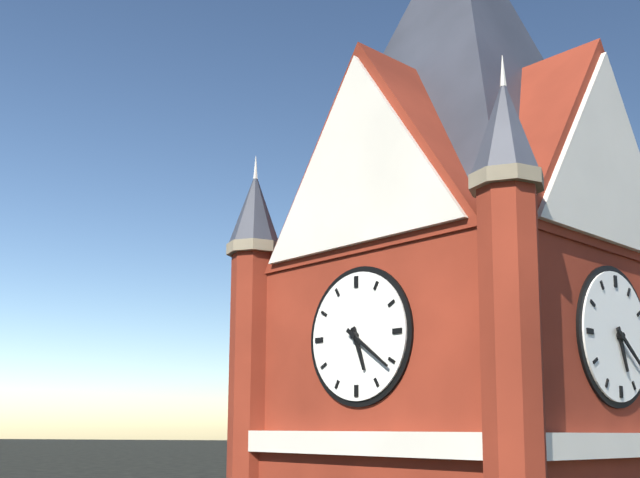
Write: 5h21
